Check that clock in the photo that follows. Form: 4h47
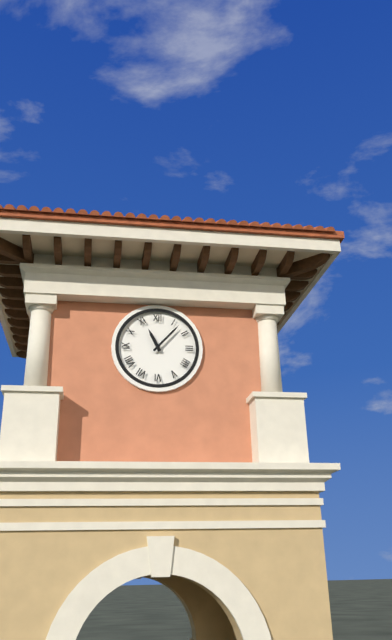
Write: 11h07
